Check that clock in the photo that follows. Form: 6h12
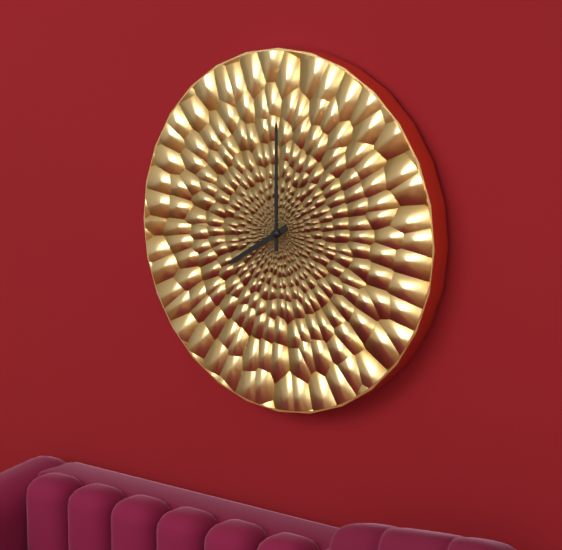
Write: 8h00
